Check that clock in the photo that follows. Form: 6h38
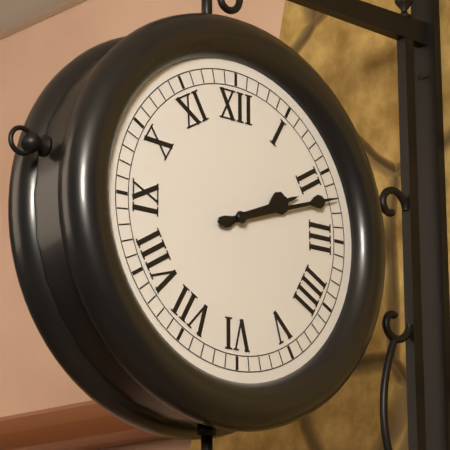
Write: 2h12
